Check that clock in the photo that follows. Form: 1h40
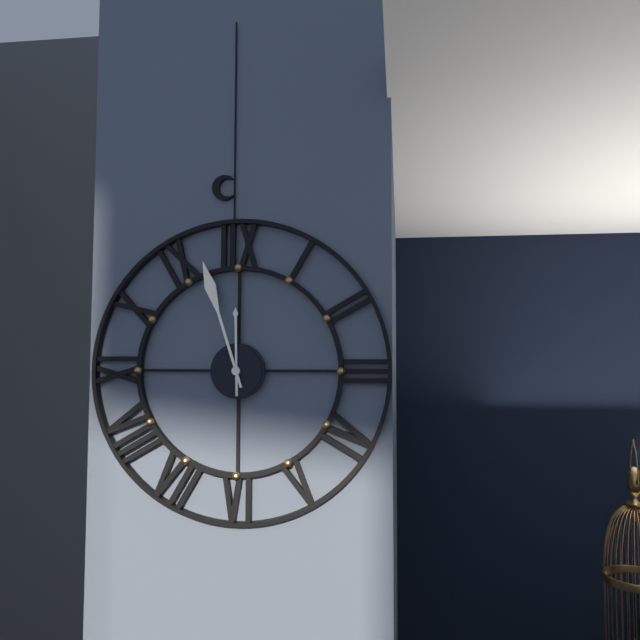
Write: 11h57
